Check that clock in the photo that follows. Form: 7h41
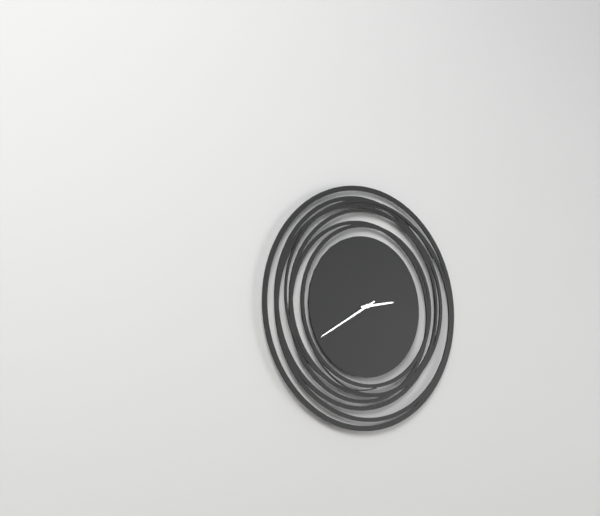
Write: 2h40
